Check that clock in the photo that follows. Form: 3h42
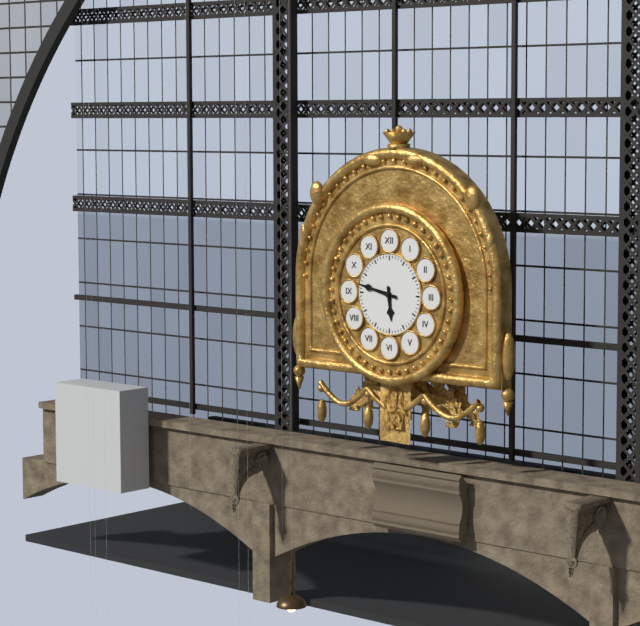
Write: 5h47
